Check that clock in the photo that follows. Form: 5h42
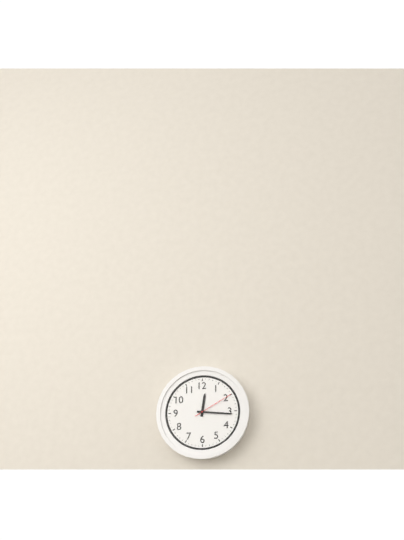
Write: 12h16
